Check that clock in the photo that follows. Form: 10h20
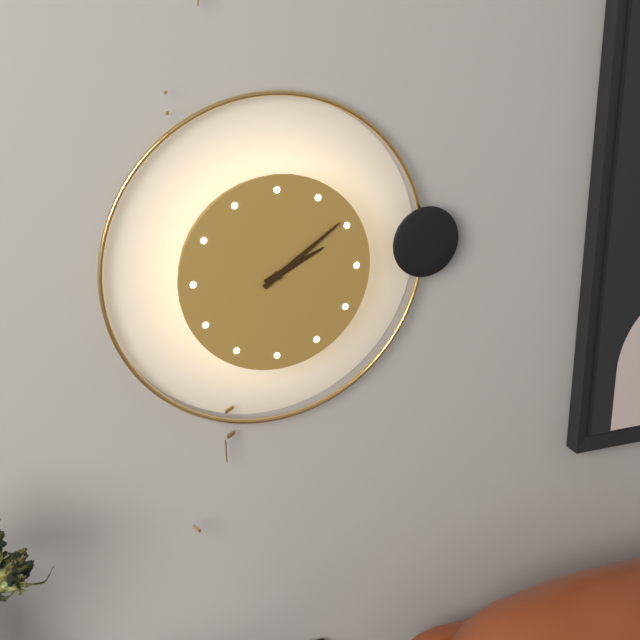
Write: 2h09
